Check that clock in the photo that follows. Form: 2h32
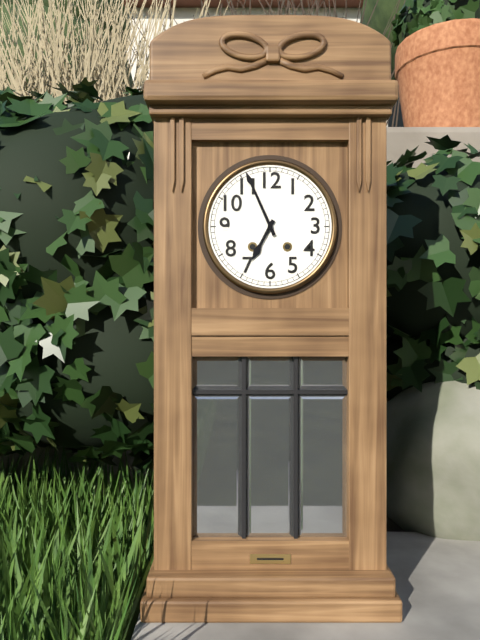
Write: 6h56
